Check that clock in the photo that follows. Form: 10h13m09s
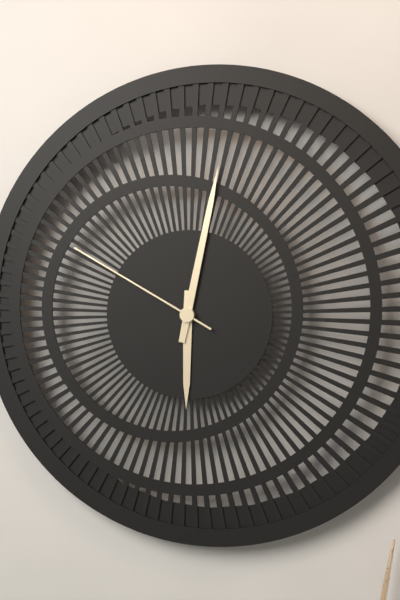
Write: 6h02m50s
